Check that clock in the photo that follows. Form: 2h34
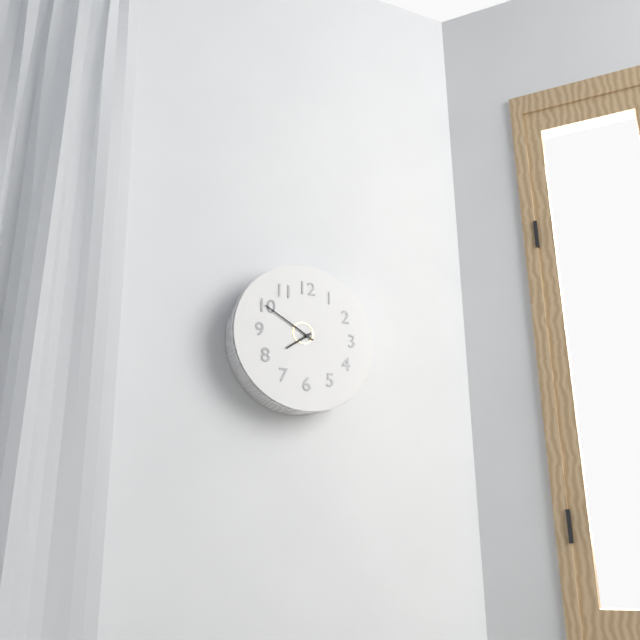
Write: 7h50
